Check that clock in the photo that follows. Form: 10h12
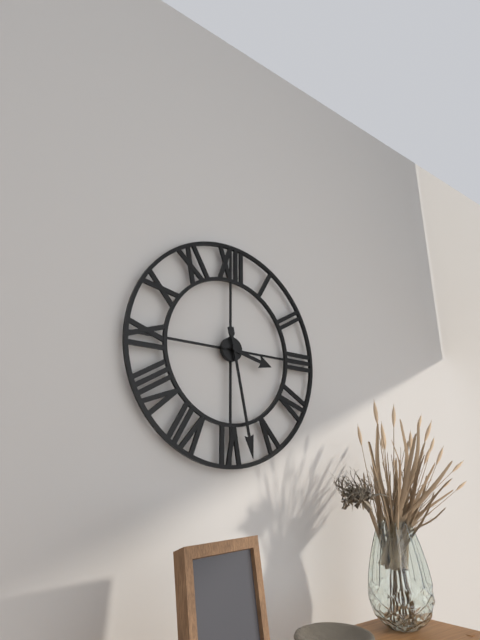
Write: 3h28
